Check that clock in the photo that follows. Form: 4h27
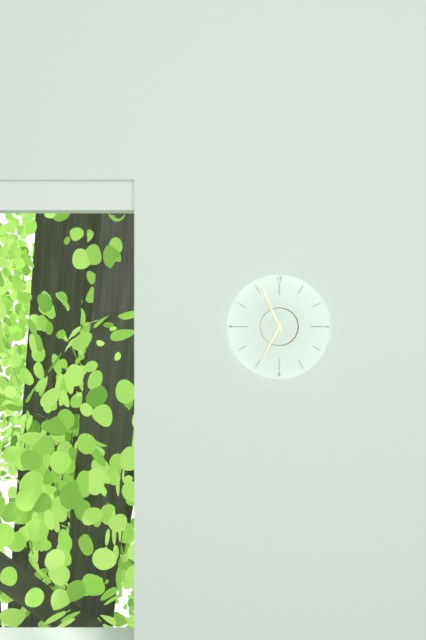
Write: 6h56
